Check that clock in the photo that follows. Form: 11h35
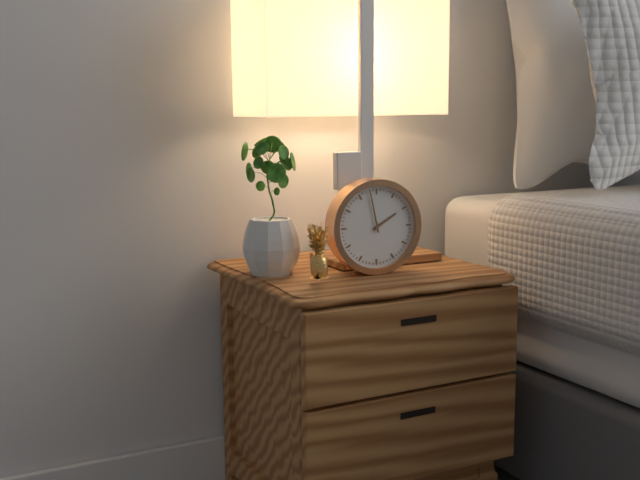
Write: 1h58
